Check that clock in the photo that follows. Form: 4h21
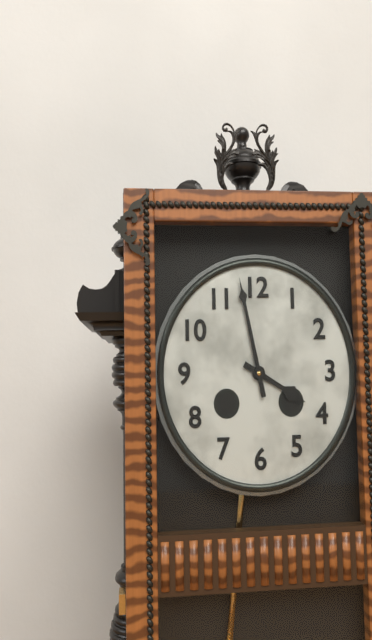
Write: 3h58
